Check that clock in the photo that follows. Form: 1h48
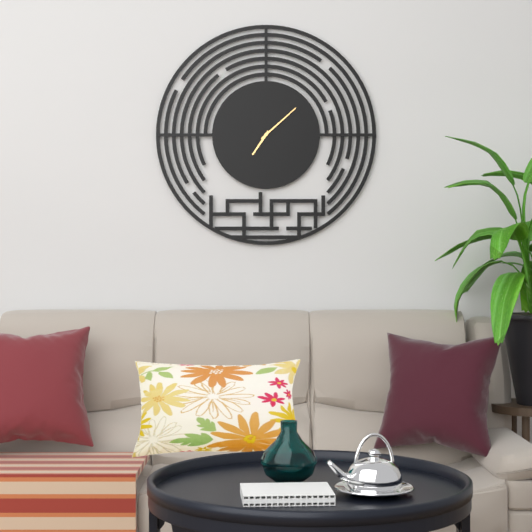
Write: 7h08
